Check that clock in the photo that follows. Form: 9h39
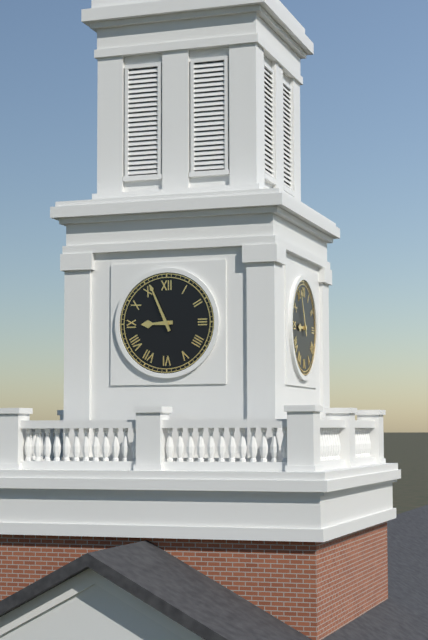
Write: 8h56
